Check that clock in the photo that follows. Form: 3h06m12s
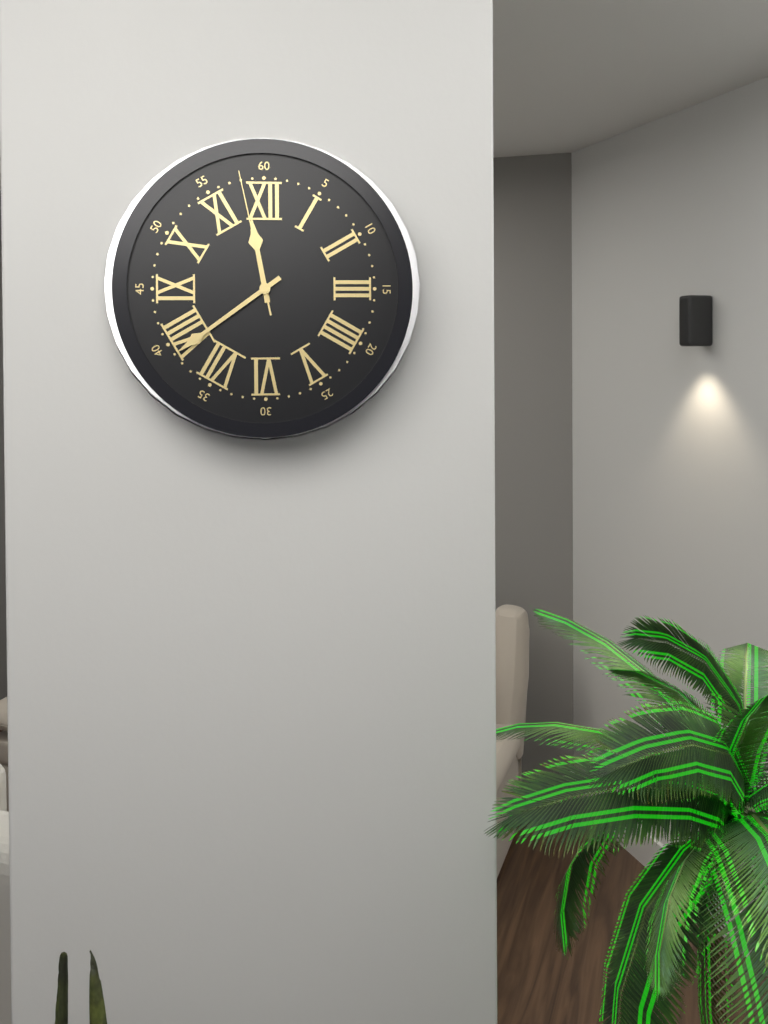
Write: 11h39m58s
